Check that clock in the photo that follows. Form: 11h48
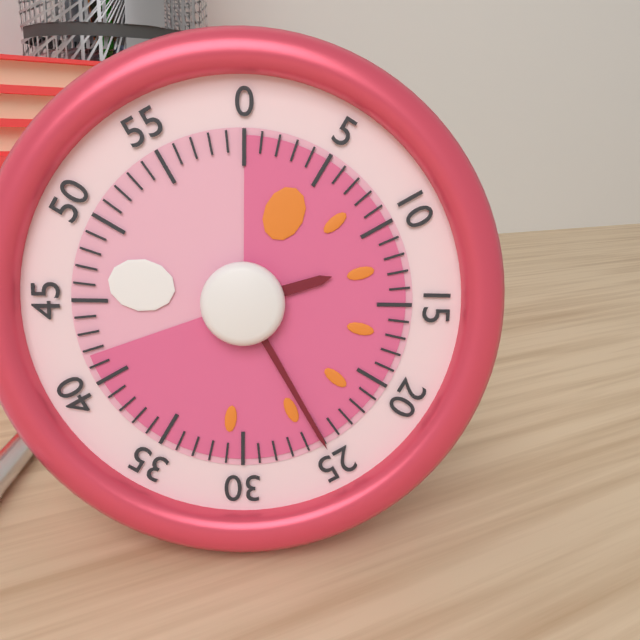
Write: 2h25
